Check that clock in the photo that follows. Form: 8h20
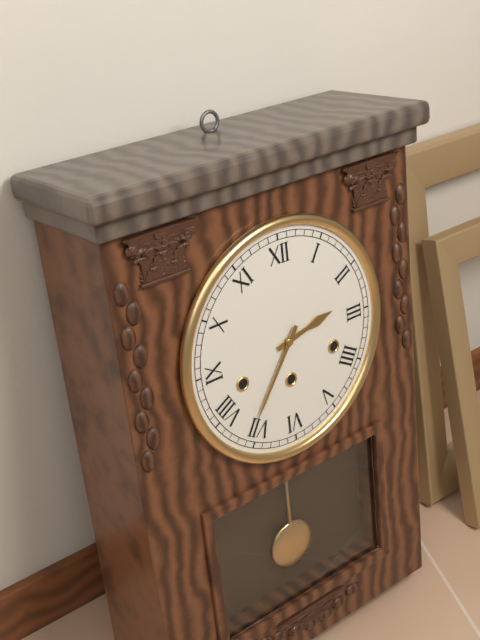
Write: 2h36
